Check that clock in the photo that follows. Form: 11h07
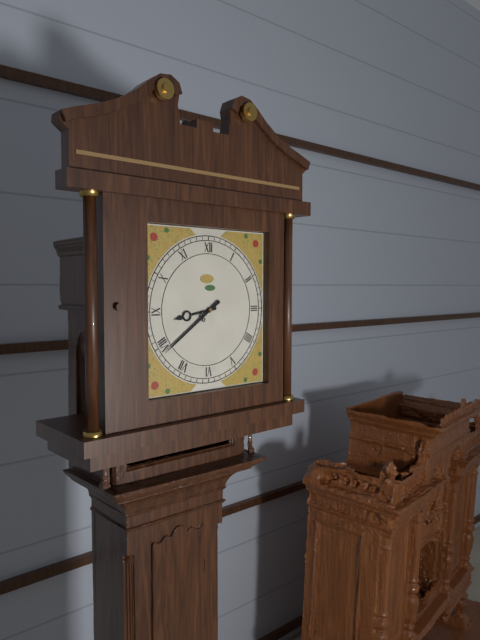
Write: 8h39
